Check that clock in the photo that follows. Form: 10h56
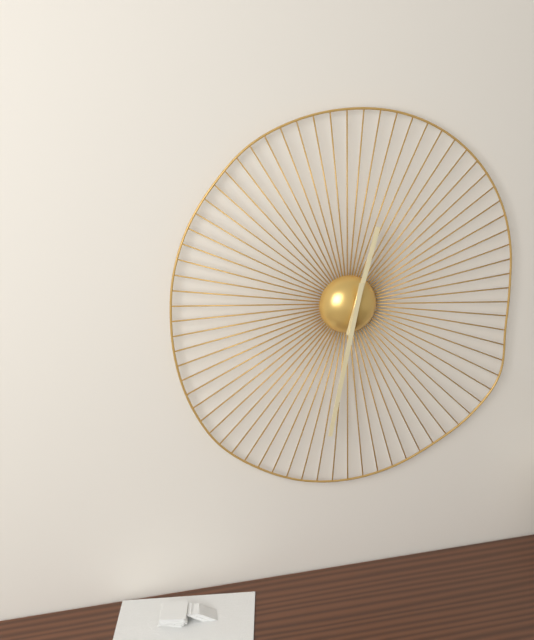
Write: 12h32
